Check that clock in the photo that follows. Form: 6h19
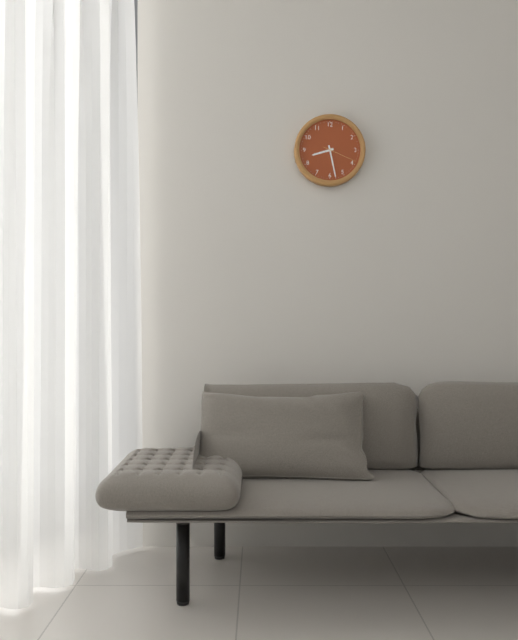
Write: 8h28
